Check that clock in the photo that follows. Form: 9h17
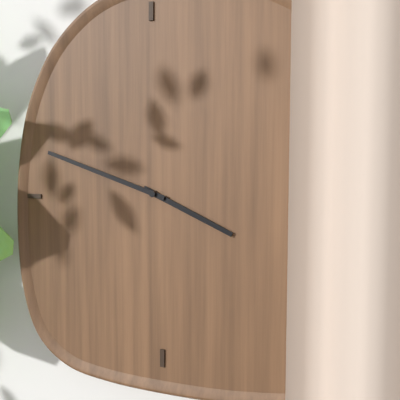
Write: 3h48
